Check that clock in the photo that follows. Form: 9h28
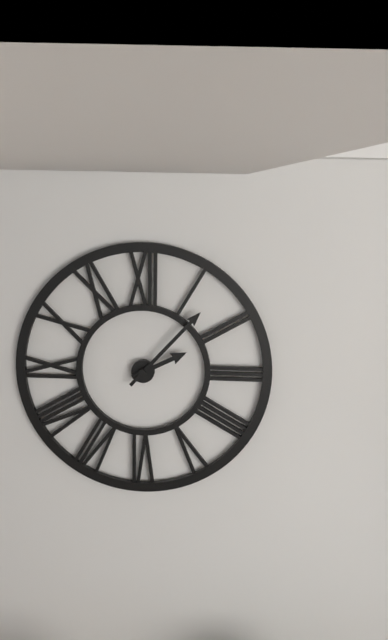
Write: 2h07
